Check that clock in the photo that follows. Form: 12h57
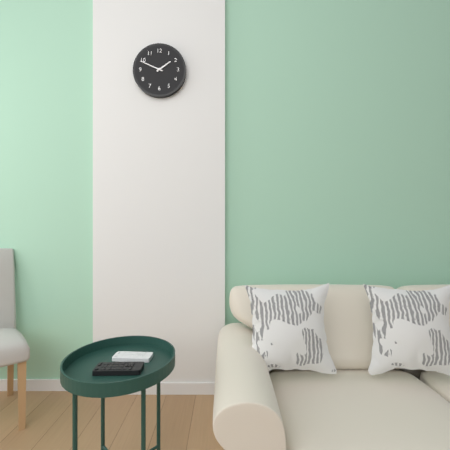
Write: 1h49
